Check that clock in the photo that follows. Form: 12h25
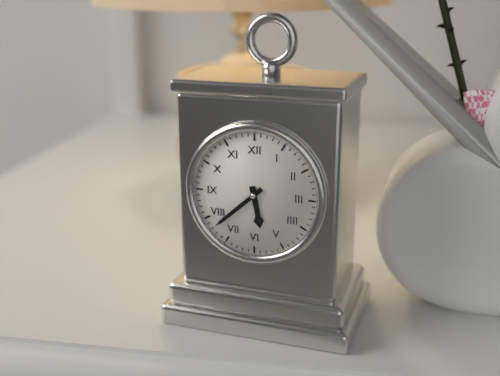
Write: 5h38
